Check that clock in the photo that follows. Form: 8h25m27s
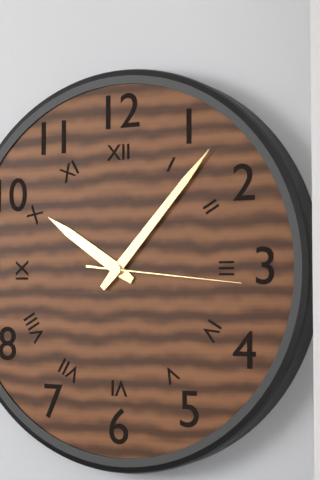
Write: 10h07m16s
